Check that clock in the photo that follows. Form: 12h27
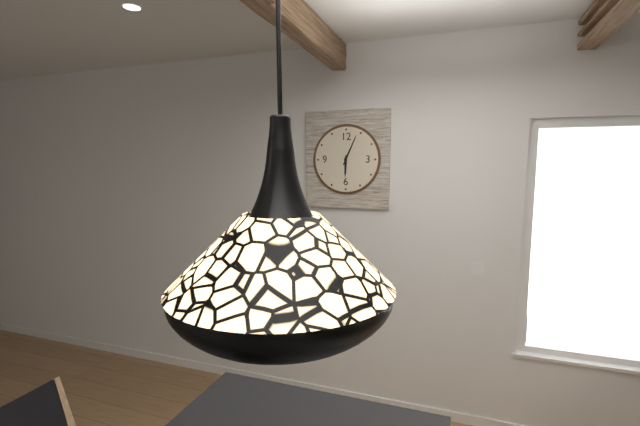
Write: 6h04
